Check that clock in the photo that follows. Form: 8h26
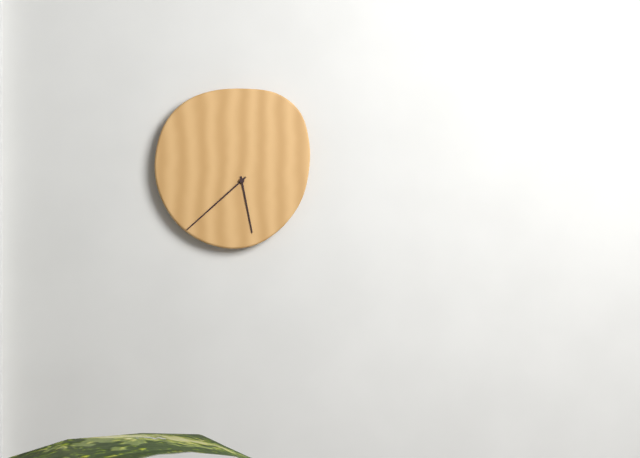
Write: 5h38
